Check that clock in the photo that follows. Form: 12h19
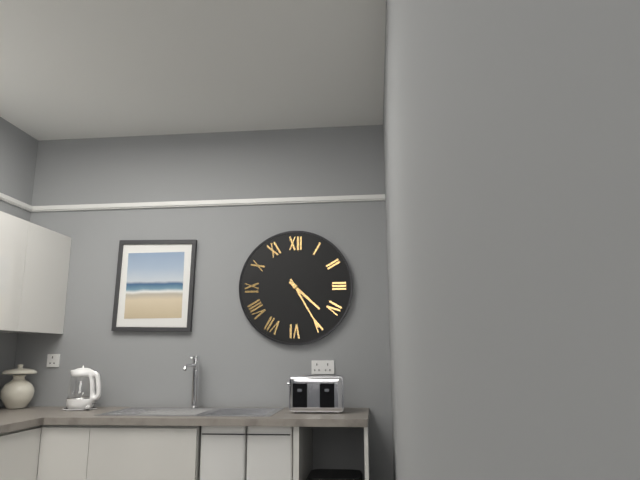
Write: 4h25
